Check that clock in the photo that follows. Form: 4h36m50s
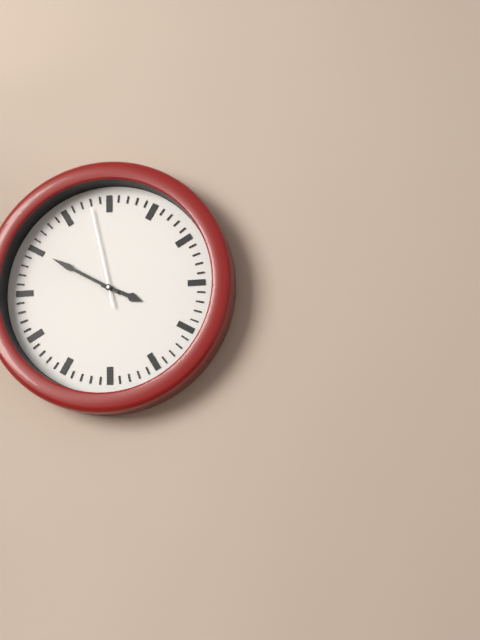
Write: 3h50m58s
